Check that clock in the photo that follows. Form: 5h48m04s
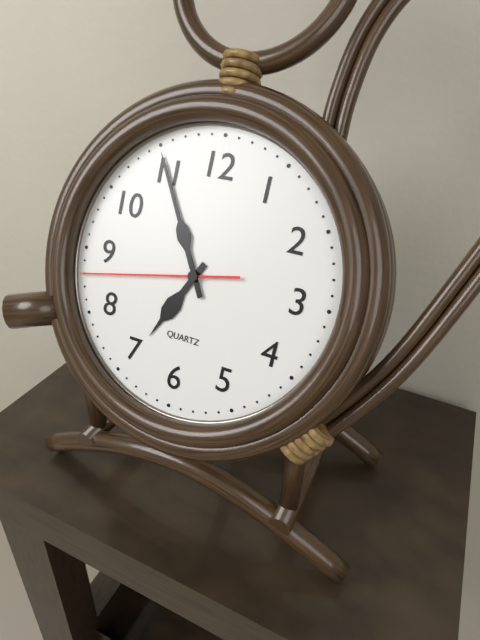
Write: 6h55m43s
